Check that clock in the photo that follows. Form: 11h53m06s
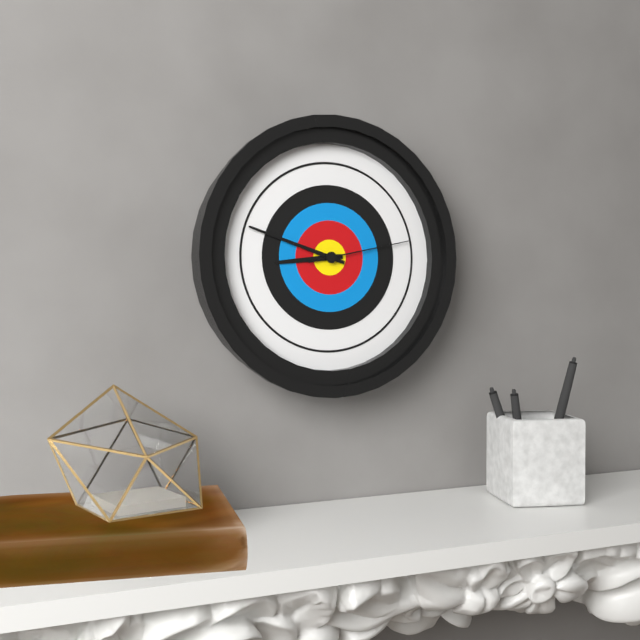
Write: 8h48m13s
